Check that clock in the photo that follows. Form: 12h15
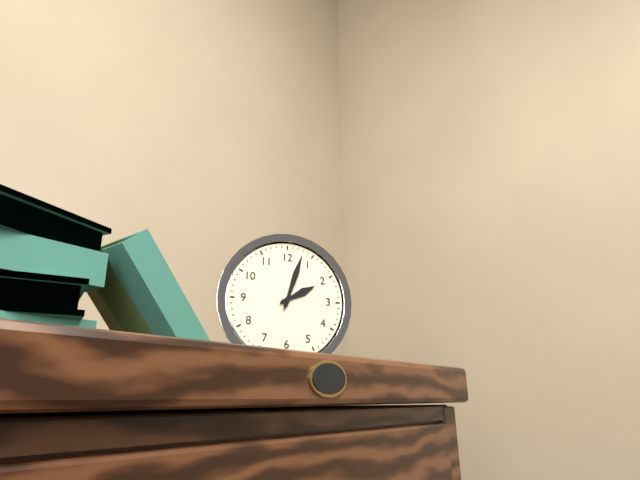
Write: 2h03
